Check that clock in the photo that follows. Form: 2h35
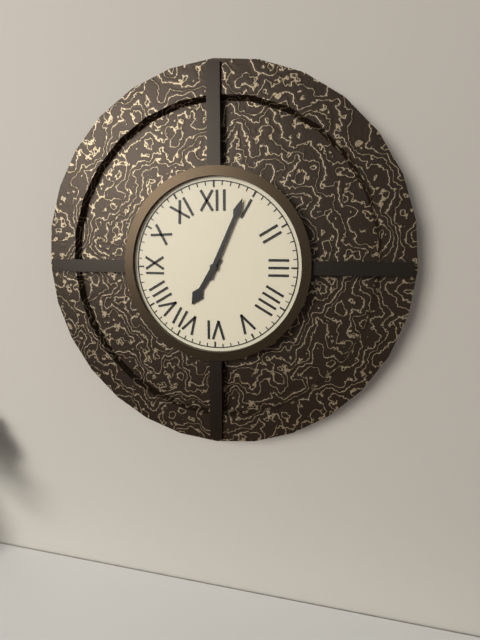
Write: 7h04
